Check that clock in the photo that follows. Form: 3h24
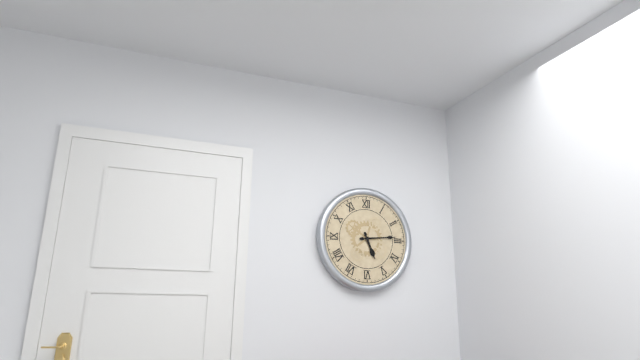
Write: 5h14
